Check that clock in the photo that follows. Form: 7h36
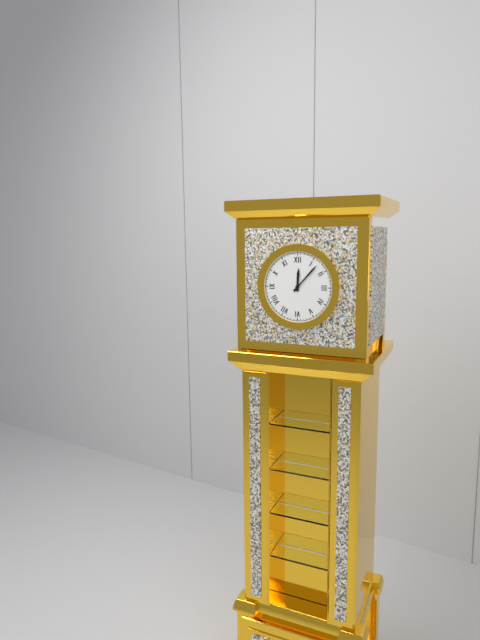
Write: 12h07
